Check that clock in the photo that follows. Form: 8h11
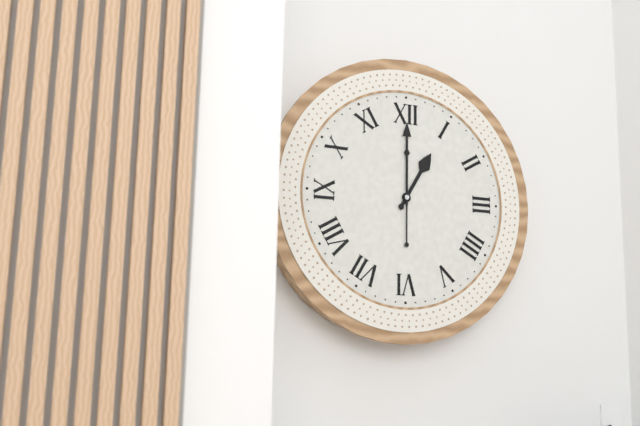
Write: 1h00
